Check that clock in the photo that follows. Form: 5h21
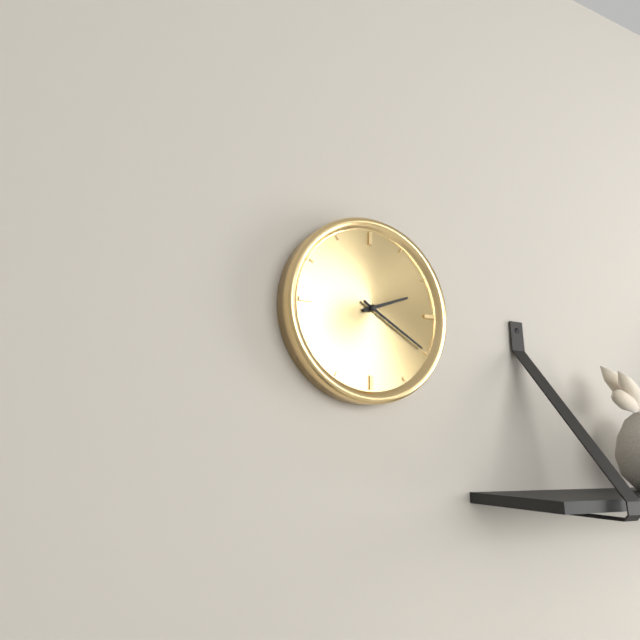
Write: 2h20
